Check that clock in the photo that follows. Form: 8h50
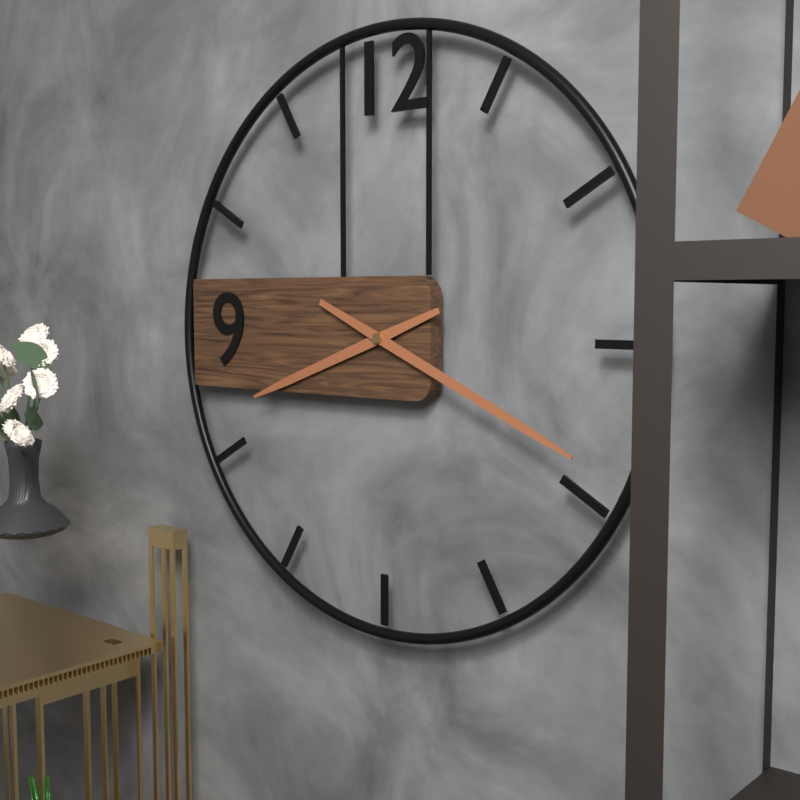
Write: 8h19
